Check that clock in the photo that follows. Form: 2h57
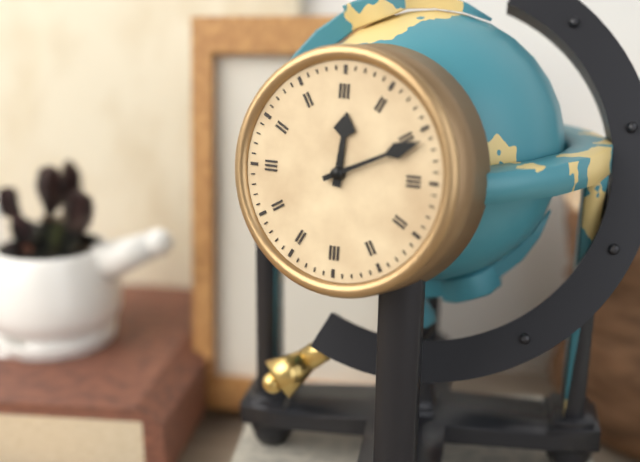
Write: 12h11
